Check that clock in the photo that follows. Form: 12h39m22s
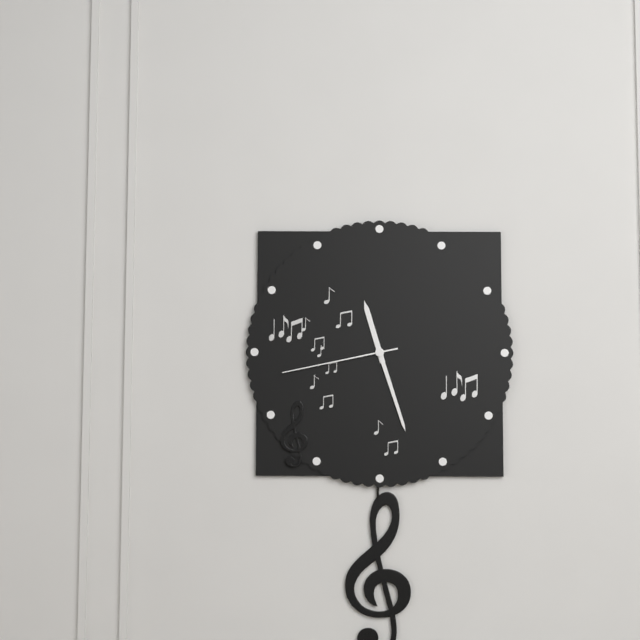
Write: 11h27m43s
